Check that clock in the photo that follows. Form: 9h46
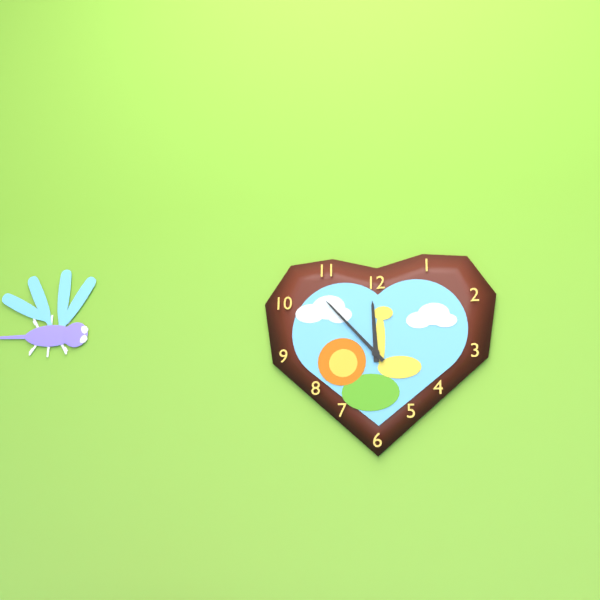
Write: 11h53
